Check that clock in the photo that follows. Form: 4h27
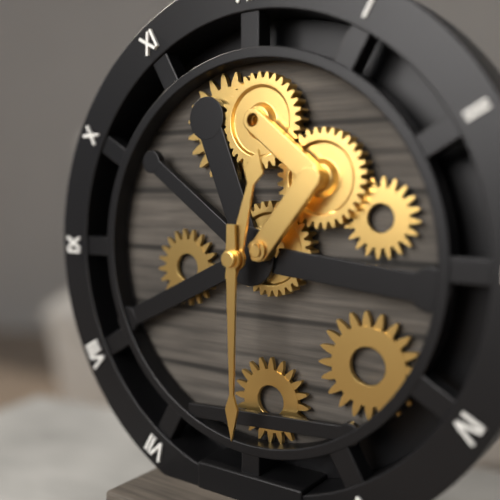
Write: 12h30
